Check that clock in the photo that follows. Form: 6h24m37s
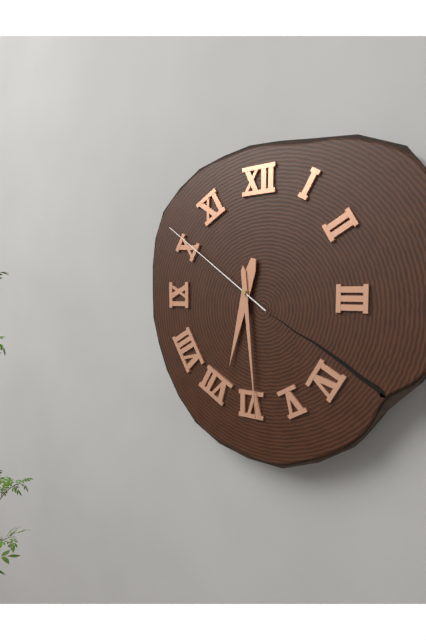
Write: 6h29m51s
